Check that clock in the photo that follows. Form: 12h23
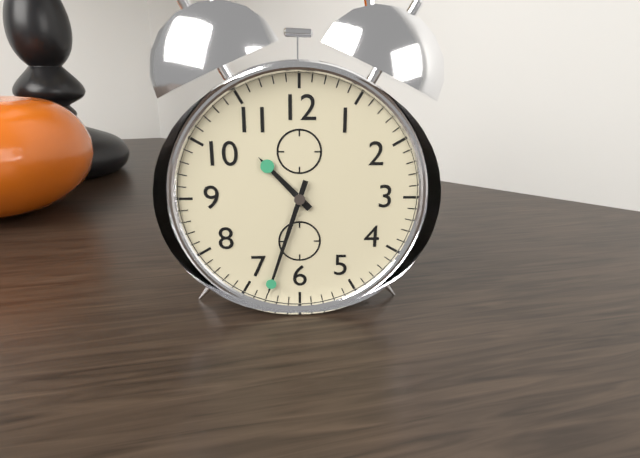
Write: 10h33
